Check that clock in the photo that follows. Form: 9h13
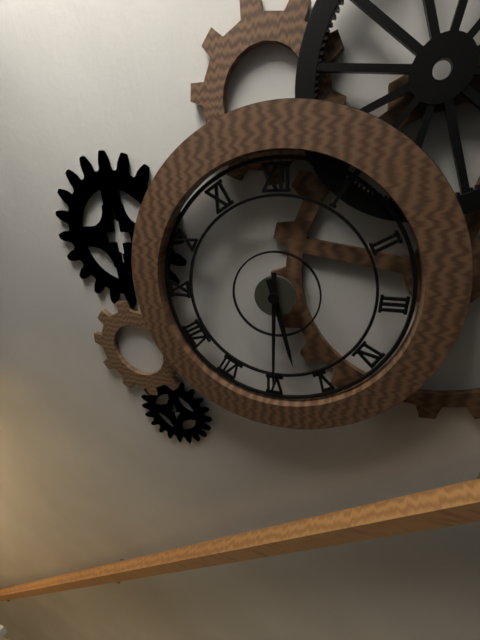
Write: 5h30
